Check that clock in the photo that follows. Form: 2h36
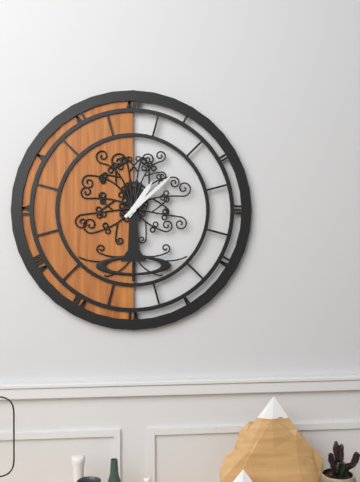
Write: 1h08
